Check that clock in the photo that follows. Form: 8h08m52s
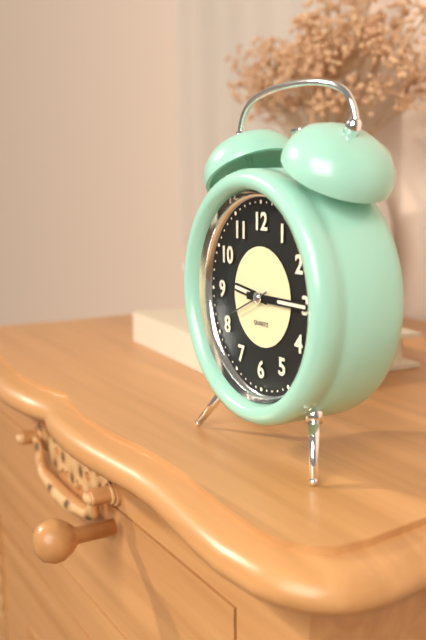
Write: 9h15m41s
